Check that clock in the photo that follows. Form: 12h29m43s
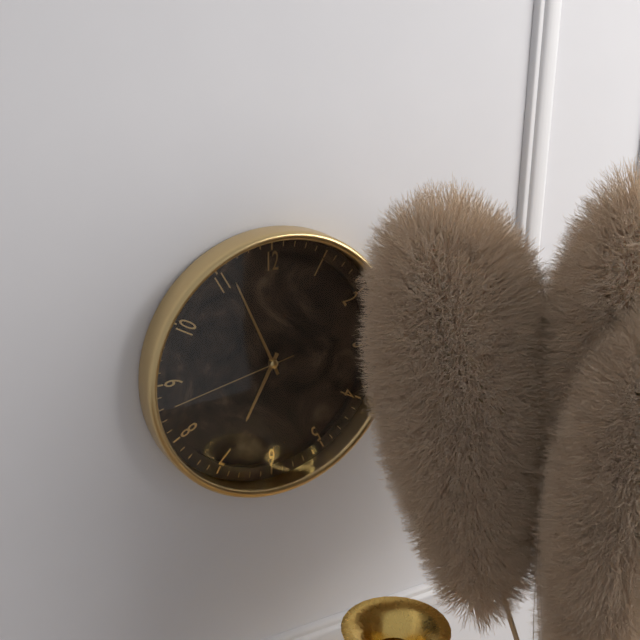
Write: 6h56m43s
